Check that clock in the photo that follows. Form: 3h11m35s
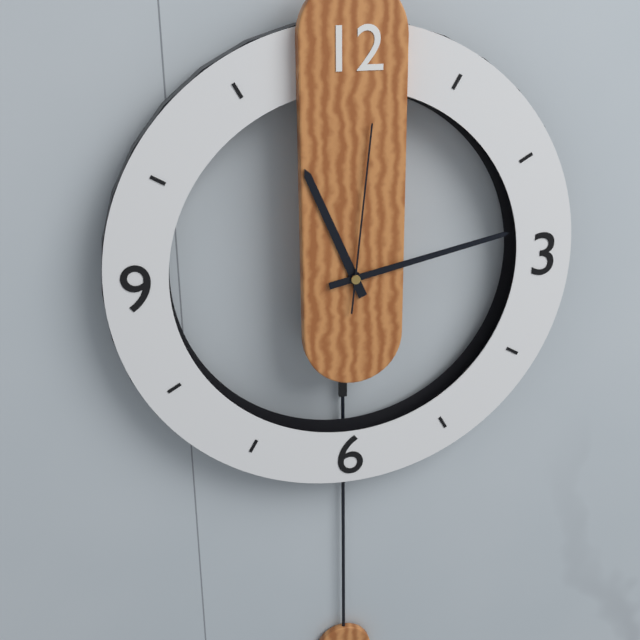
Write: 11h13m01s
